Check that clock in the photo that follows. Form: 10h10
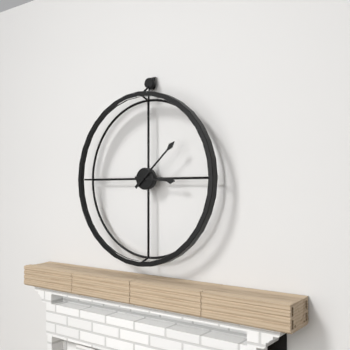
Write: 3h08
